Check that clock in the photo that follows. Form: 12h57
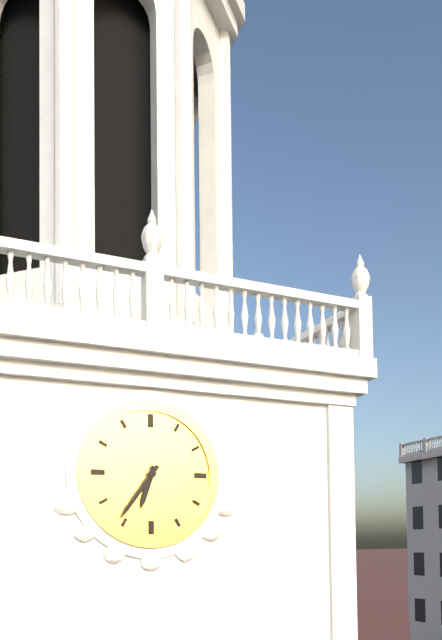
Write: 6h36
